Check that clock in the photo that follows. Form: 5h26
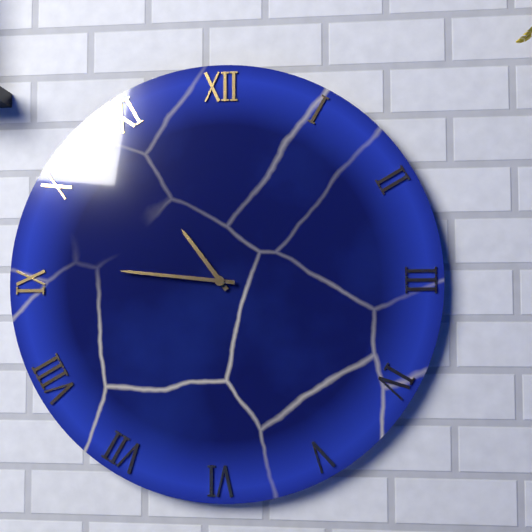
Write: 10h46
